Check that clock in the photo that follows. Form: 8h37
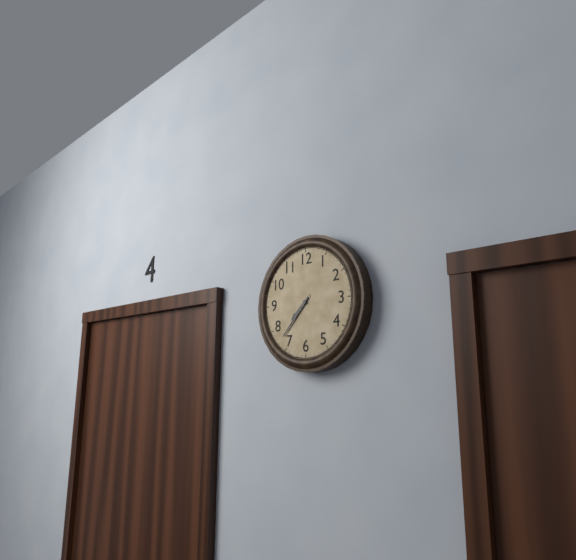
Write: 7h37
